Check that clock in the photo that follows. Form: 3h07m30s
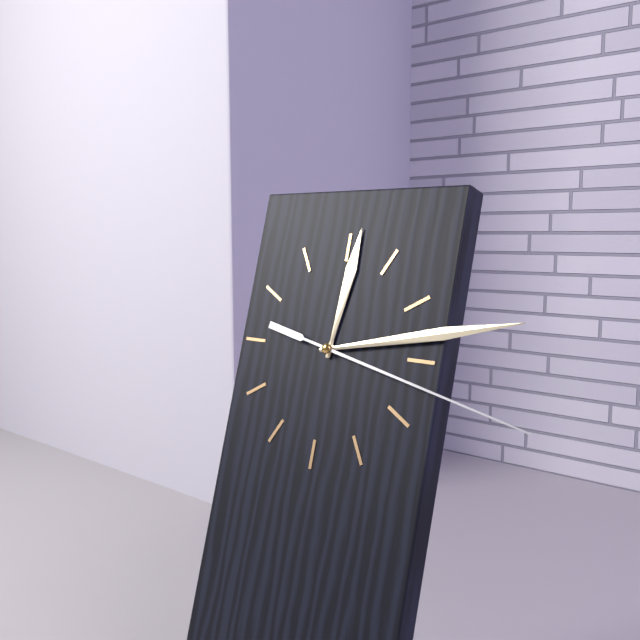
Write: 12h13m17s
